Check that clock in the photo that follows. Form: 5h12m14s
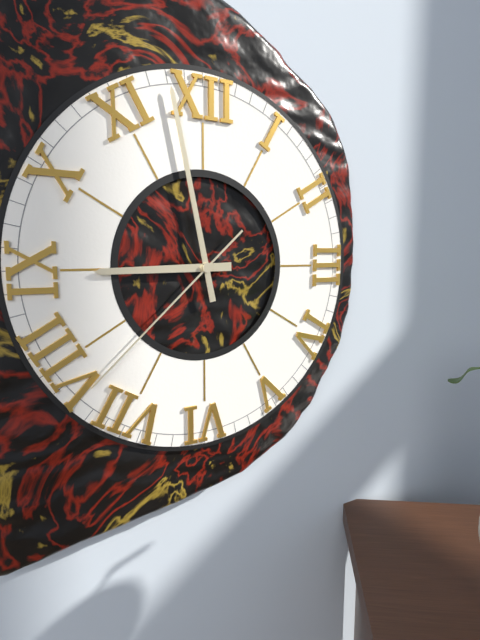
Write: 8h58m38s
